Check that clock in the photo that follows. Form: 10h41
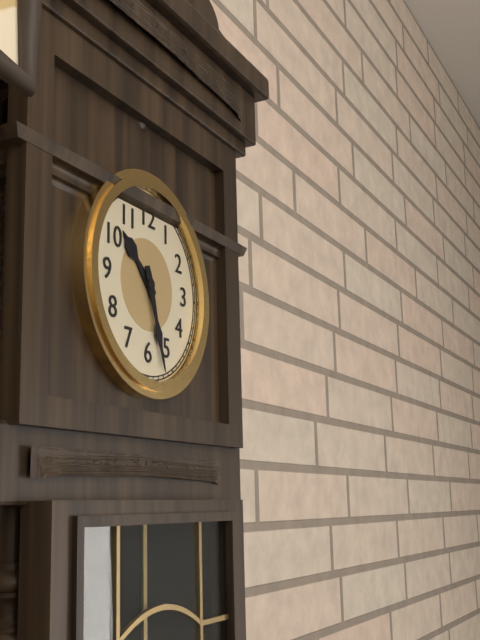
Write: 10h27
